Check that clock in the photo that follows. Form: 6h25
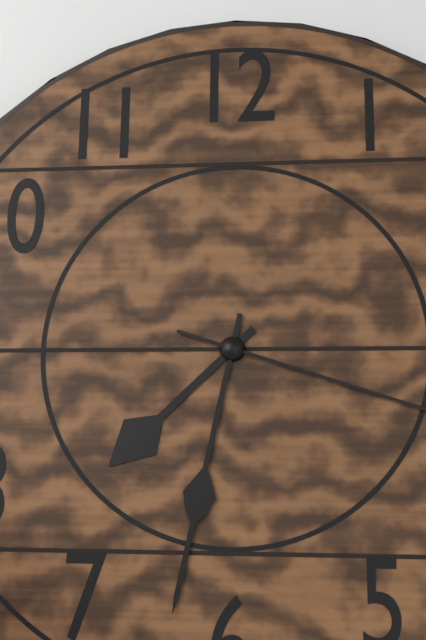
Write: 7h32
